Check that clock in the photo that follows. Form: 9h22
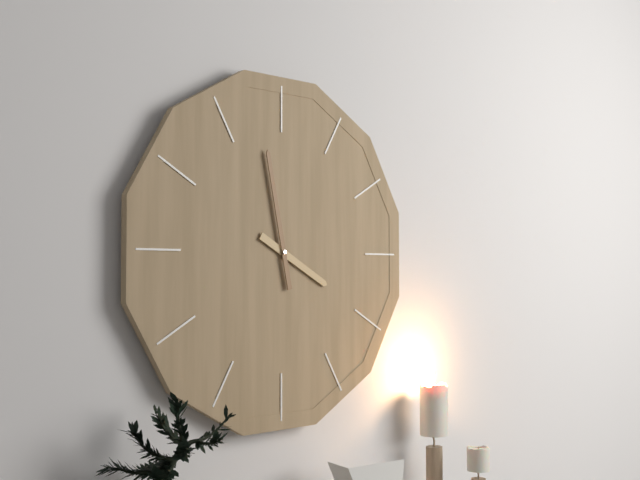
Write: 3h58
